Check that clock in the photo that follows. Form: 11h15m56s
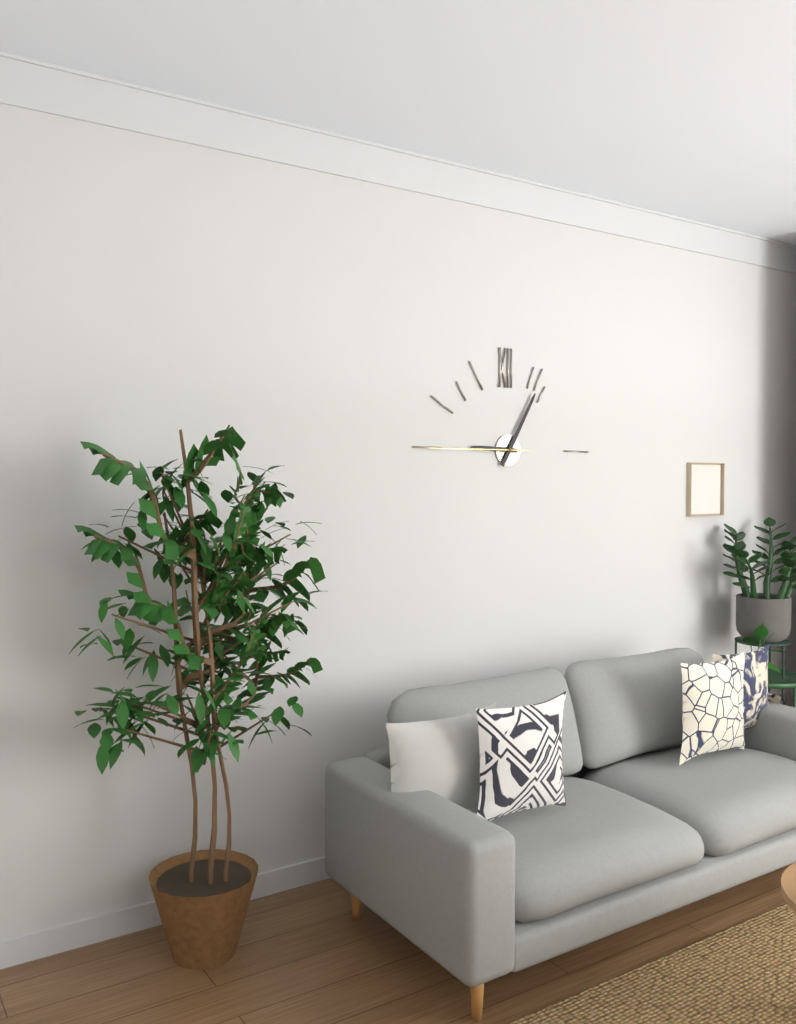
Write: 9h05m45s
